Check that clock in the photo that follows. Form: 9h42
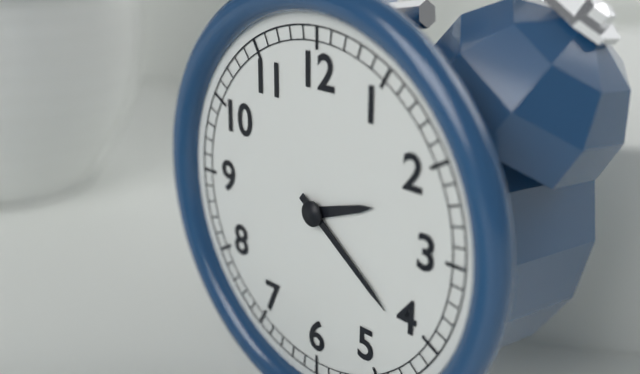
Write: 2h21
